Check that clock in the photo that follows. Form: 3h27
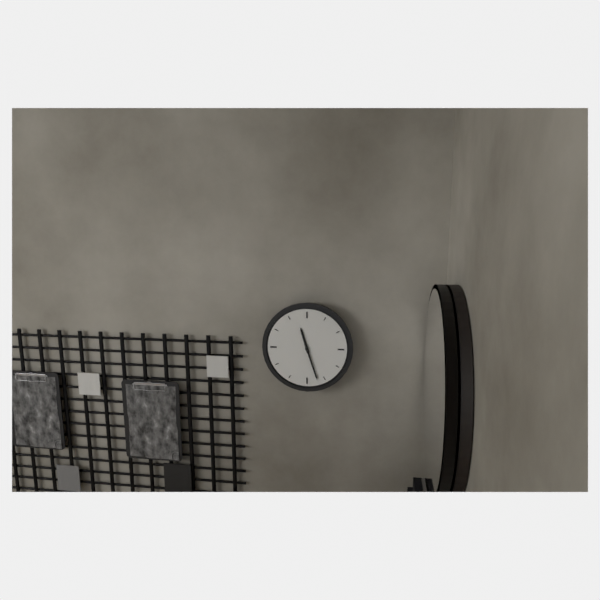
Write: 11h27
